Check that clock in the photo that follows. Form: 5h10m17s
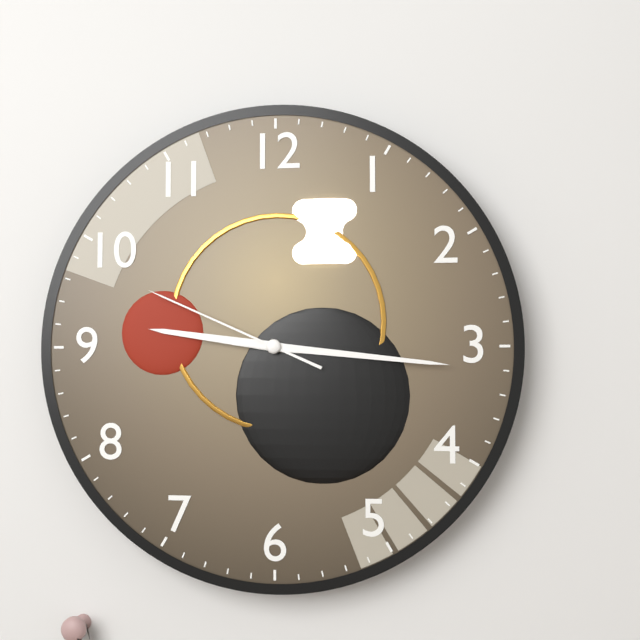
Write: 9h16m49s
